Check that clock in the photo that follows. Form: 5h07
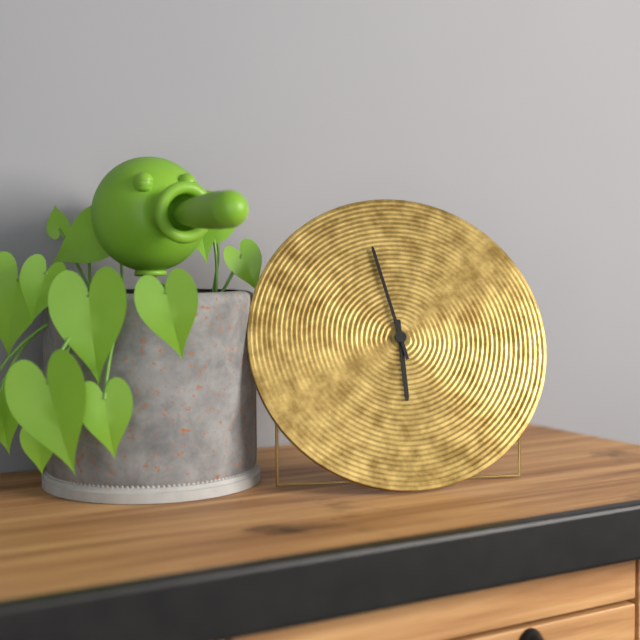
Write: 5h58
